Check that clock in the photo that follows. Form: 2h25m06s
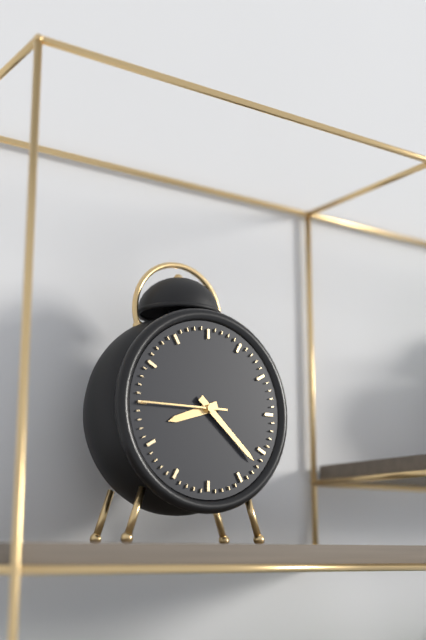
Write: 8h22m45s
